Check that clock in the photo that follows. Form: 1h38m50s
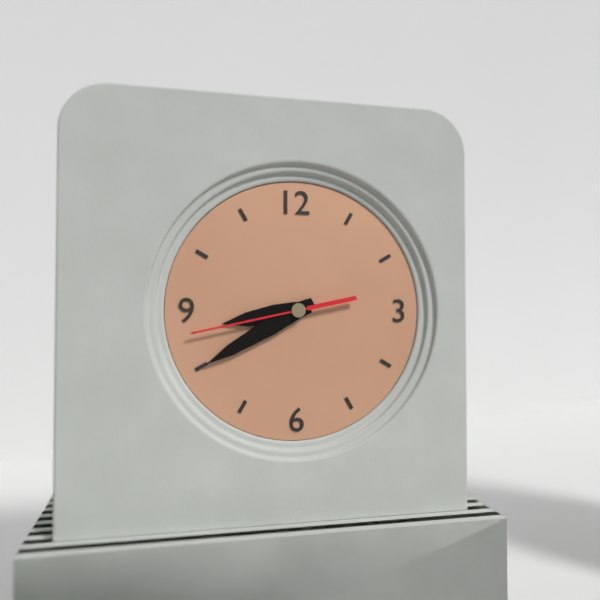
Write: 8h40m43s
